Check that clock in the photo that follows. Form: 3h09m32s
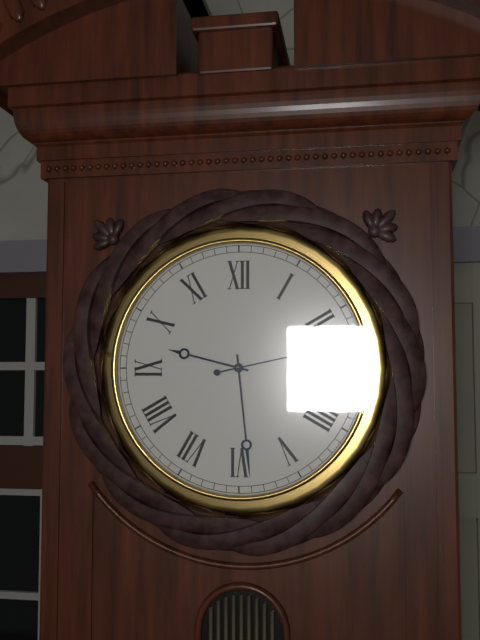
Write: 9h29m13s
